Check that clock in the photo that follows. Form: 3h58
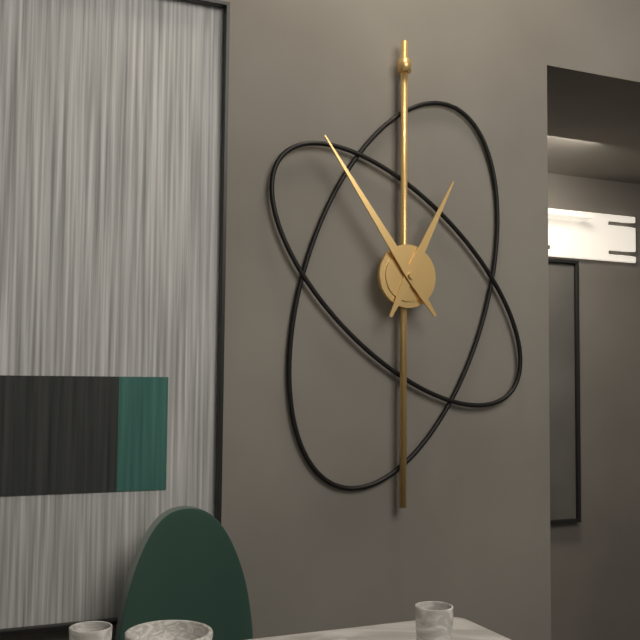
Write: 12h54
